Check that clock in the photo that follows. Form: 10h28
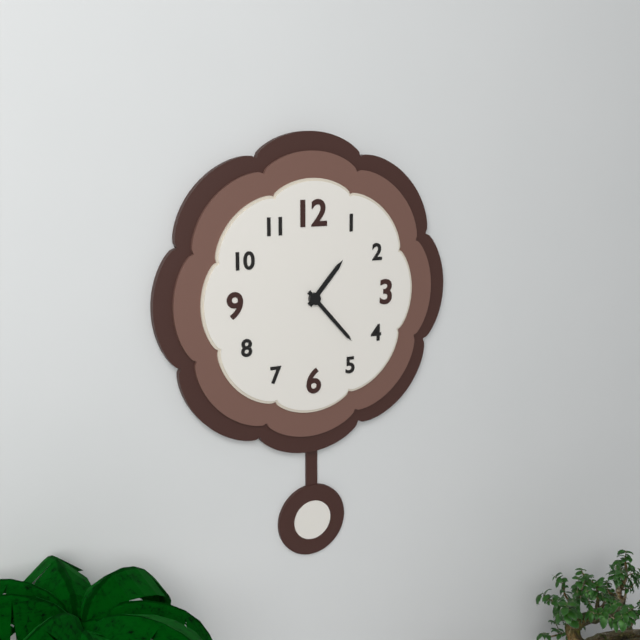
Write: 1h23
